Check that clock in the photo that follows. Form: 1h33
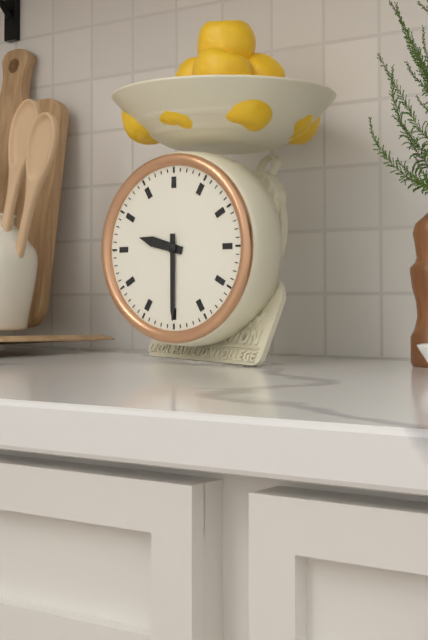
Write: 9h30
